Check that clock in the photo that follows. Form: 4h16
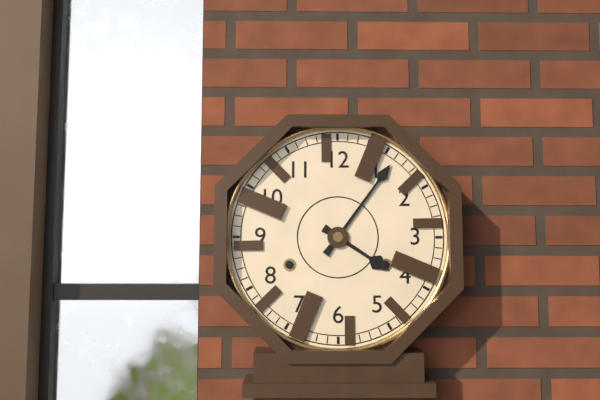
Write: 4h06
